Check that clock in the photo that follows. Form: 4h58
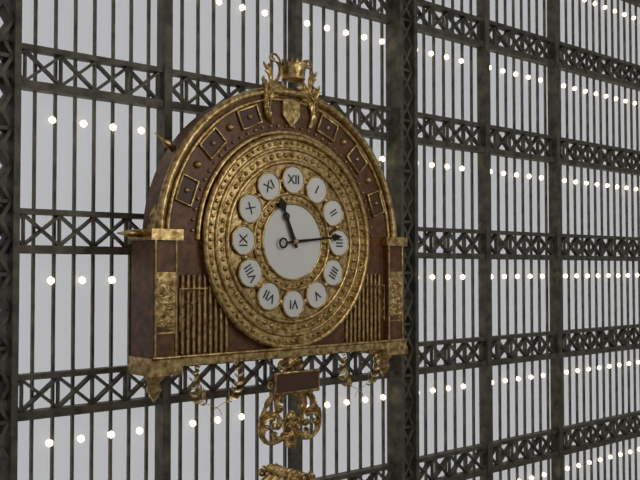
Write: 11h14
